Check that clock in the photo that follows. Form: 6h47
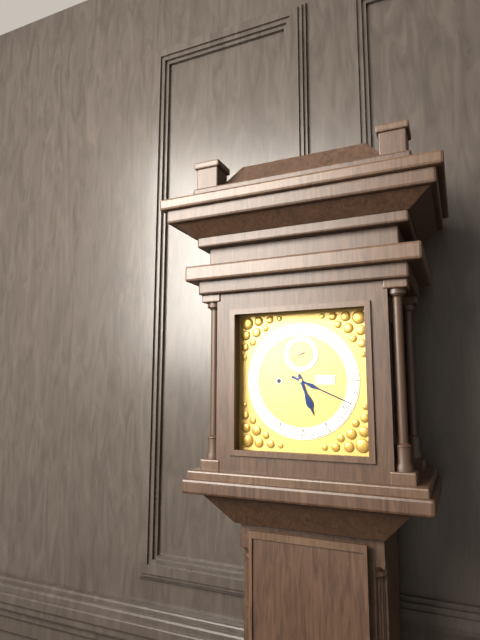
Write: 5h19
